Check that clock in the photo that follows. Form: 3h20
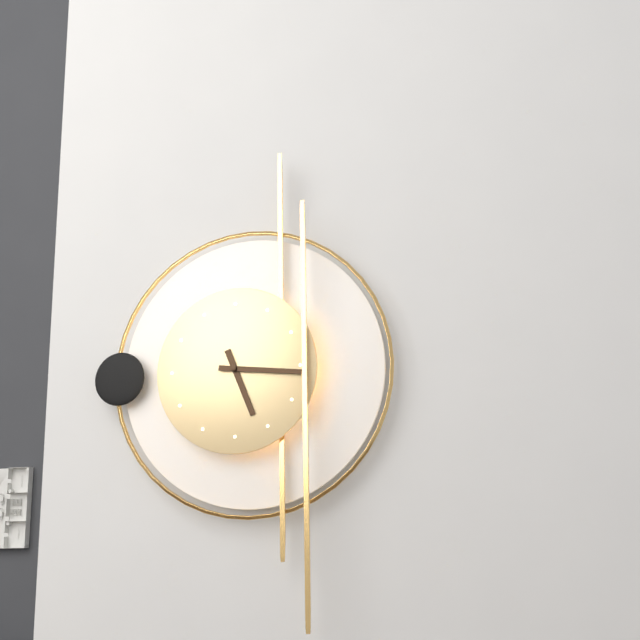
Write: 5h16
